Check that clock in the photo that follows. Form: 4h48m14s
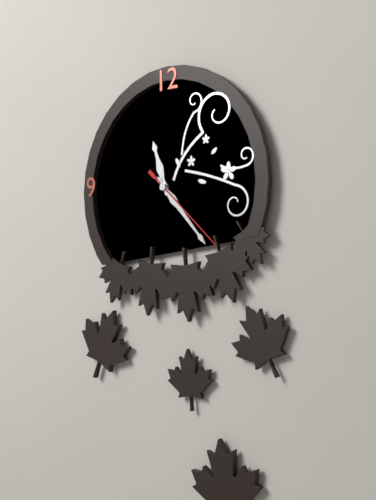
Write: 11h23m22s
